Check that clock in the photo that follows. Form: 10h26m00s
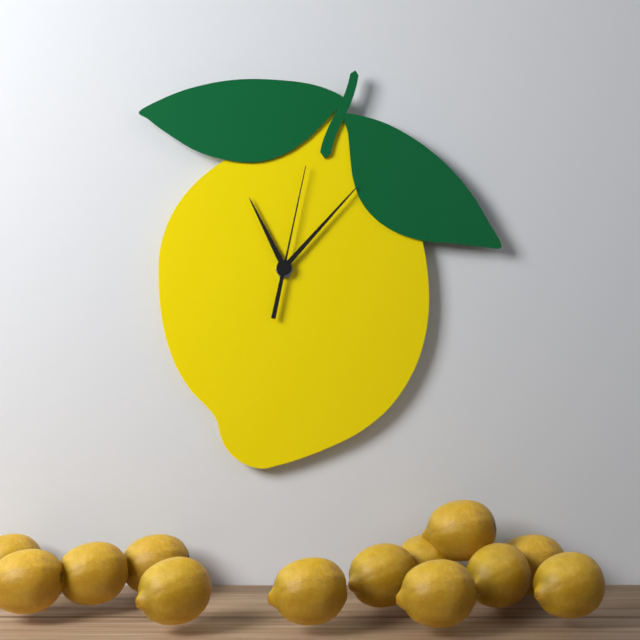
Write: 11h07m02s
